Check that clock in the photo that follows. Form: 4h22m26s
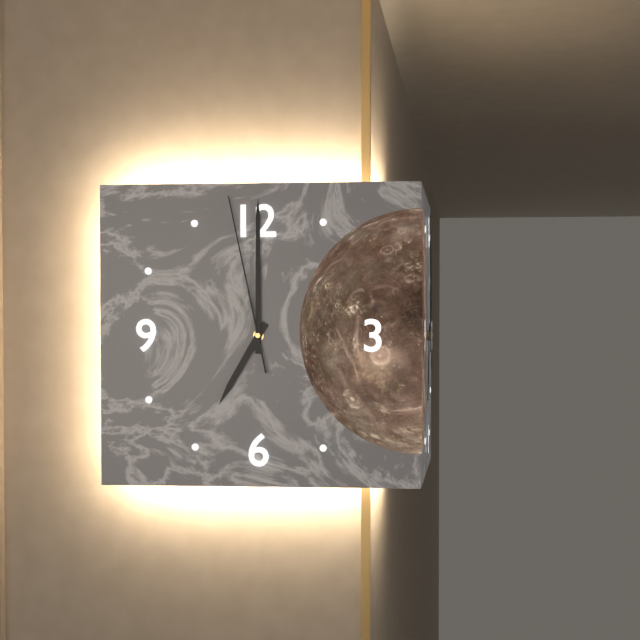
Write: 7h00m58s
